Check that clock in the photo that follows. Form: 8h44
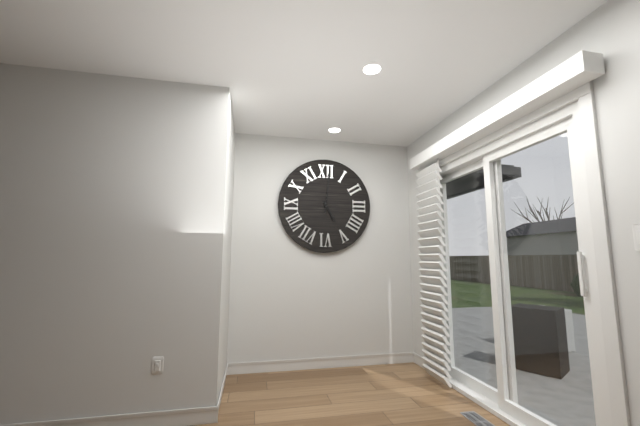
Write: 5h01
